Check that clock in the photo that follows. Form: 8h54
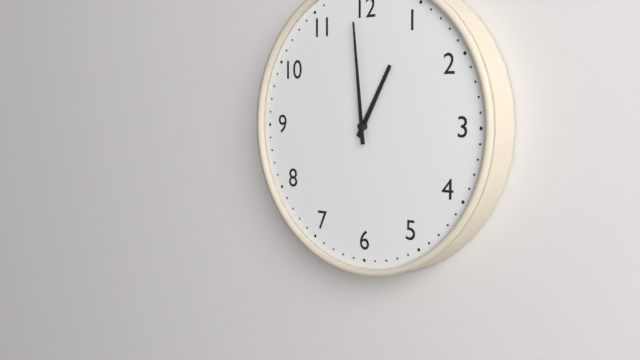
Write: 12h59
